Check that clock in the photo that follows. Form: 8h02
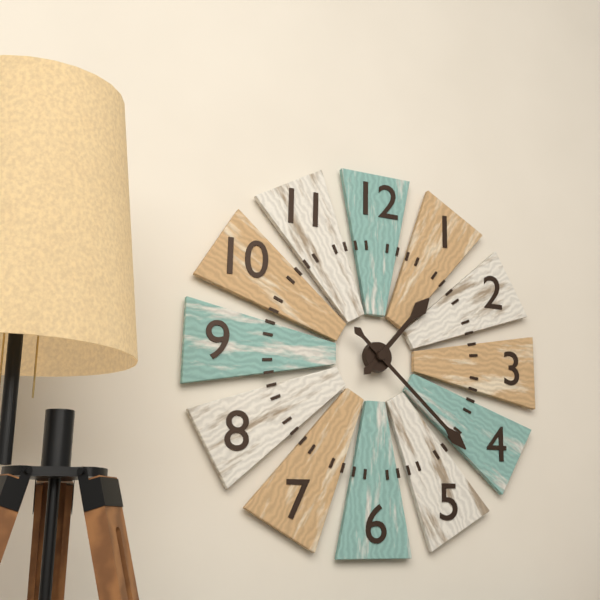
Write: 1h22
